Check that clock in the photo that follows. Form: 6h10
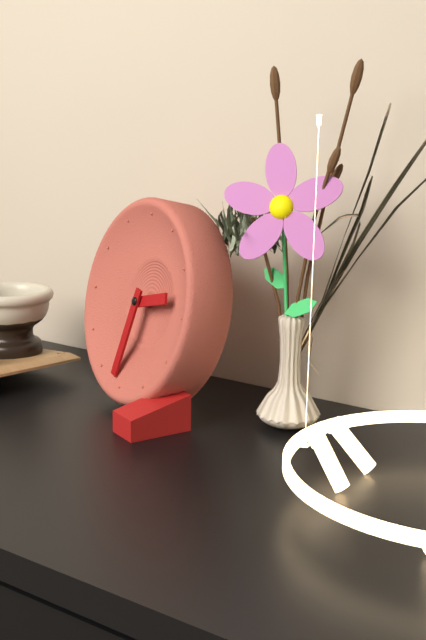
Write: 2h32
